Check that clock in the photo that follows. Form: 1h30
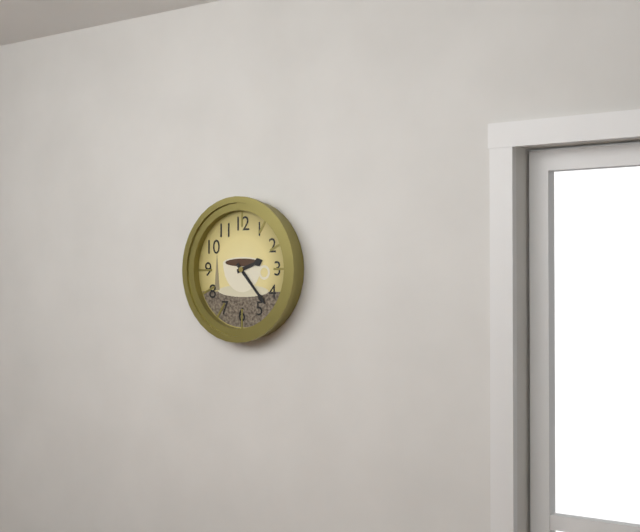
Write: 2h23
